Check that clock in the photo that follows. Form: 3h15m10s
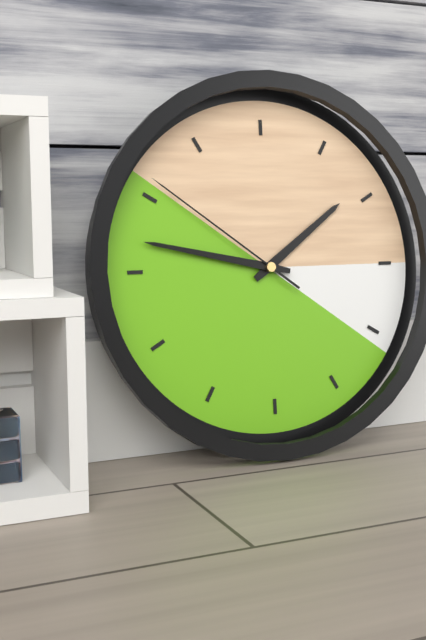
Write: 1h47m51s
